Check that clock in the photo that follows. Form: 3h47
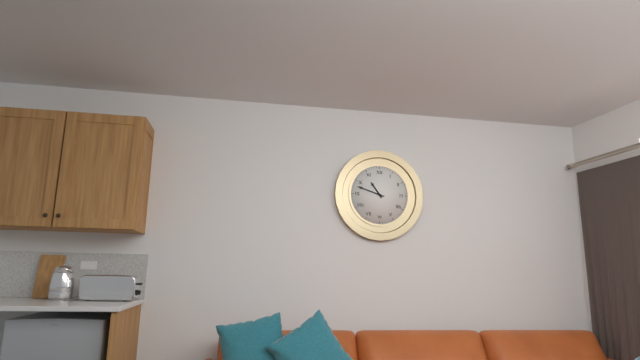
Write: 10h48
